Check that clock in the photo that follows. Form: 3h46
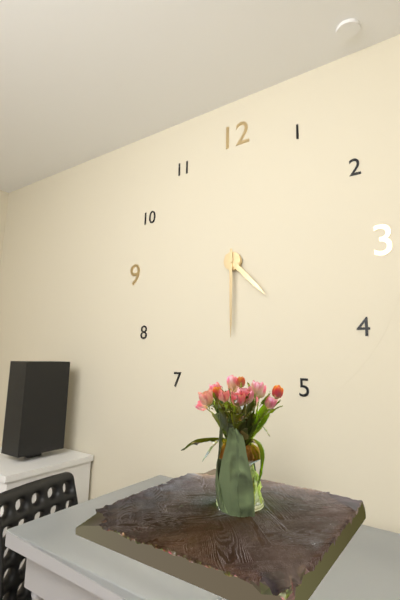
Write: 4h30
